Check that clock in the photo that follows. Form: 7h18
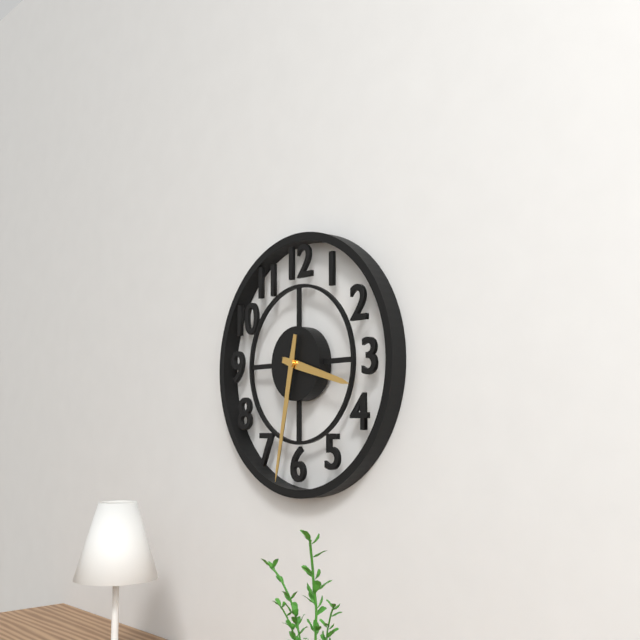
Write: 3h32
